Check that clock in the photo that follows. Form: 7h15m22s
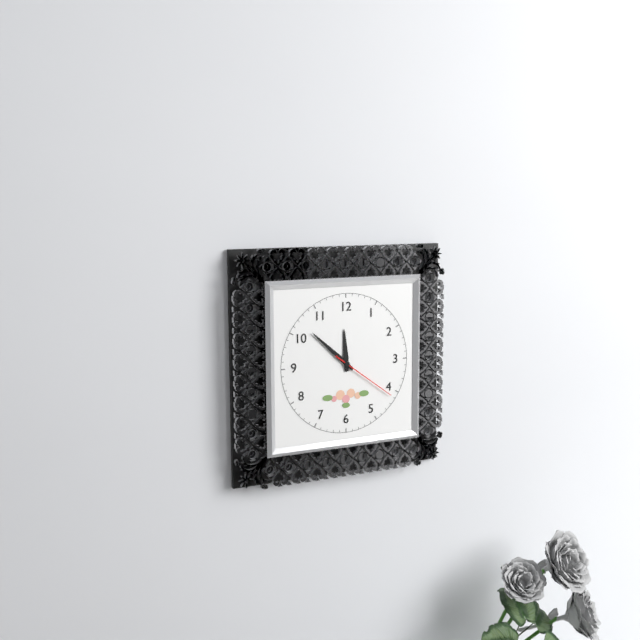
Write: 11h52m21s
